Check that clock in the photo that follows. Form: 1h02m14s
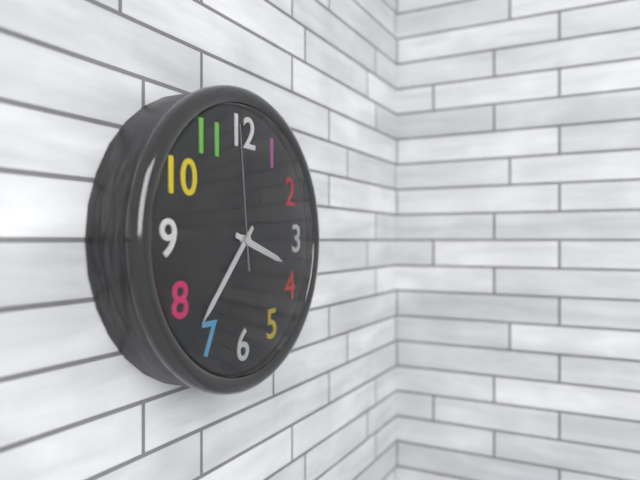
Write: 3h37m59s
